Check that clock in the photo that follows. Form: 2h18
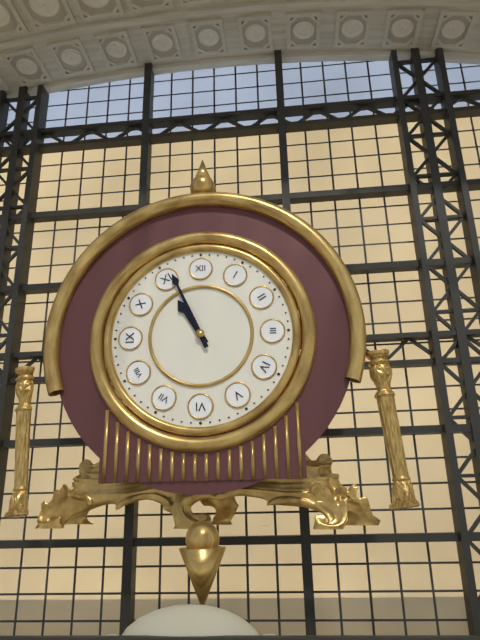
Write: 10h56
